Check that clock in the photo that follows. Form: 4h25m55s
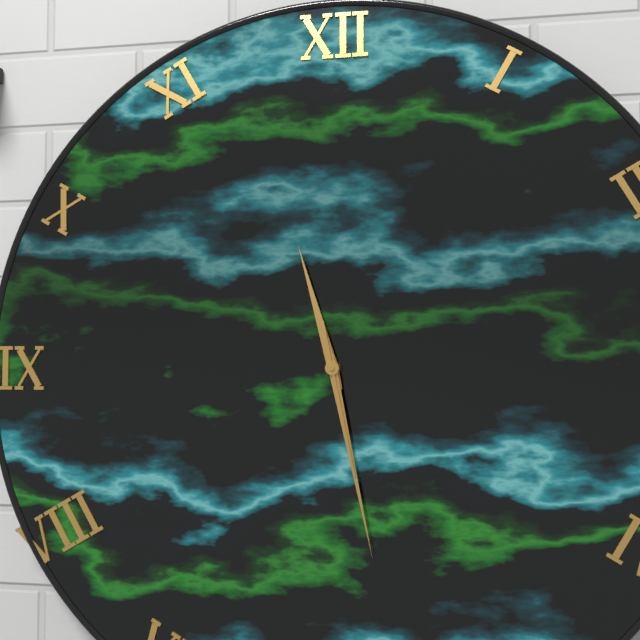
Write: 11h28m28s
